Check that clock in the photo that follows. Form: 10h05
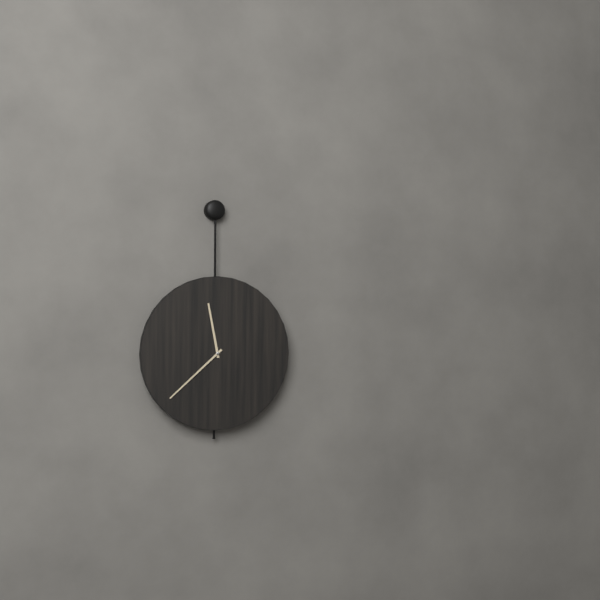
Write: 11h38
